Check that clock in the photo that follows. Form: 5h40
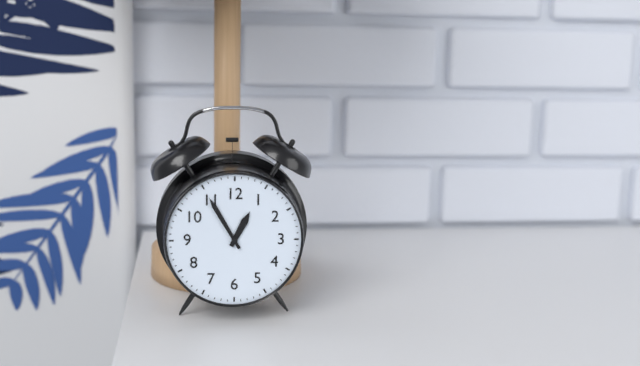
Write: 12h55
